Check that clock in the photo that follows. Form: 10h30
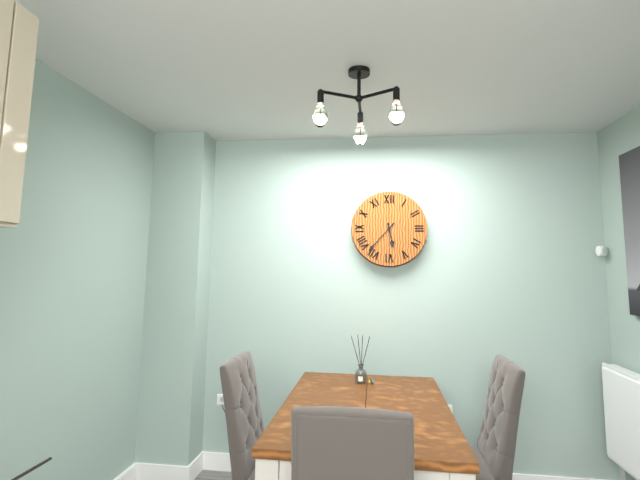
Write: 5h37
